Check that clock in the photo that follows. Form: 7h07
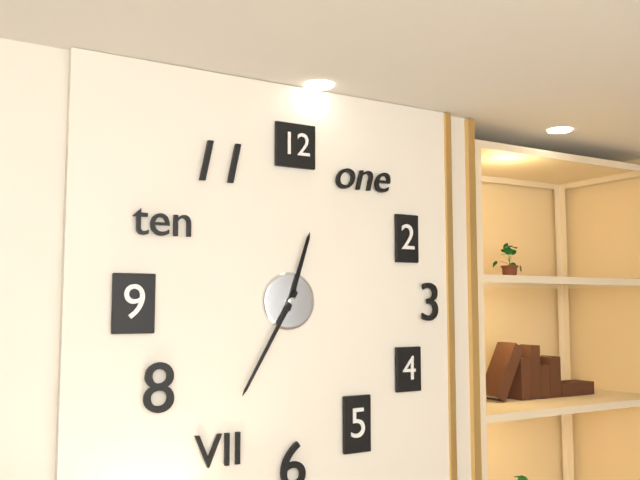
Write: 12h35
